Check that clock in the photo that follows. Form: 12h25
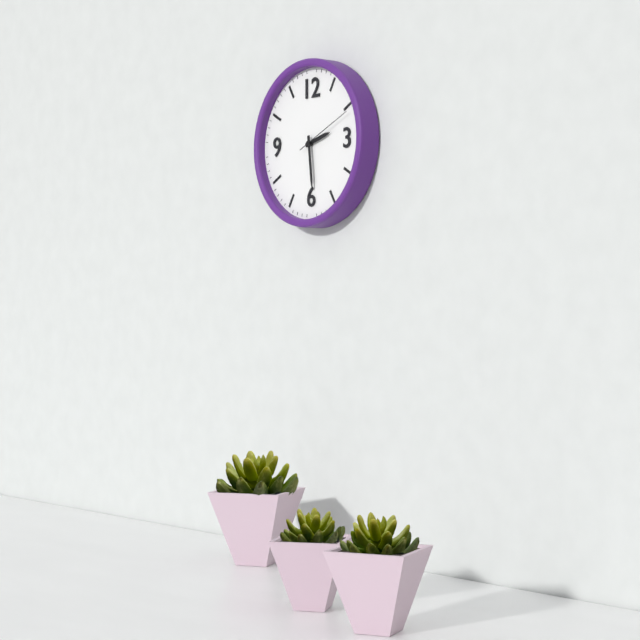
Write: 2h29
